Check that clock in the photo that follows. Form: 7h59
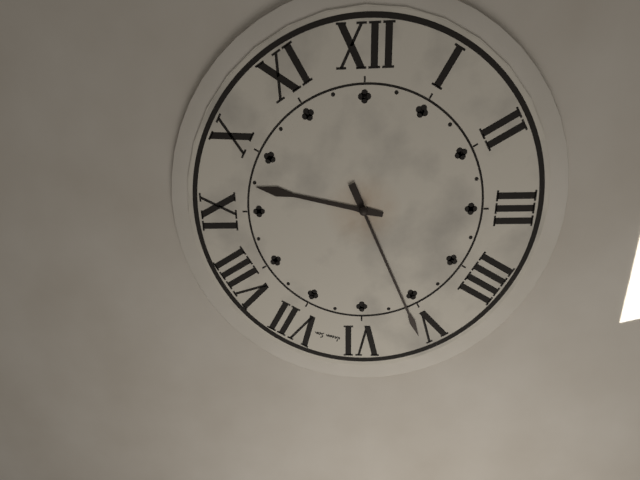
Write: 9h26
